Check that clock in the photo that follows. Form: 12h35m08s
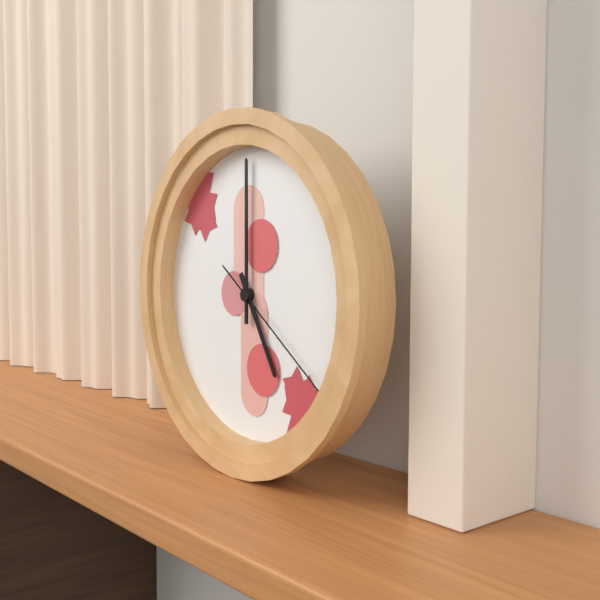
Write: 5h00m21s
